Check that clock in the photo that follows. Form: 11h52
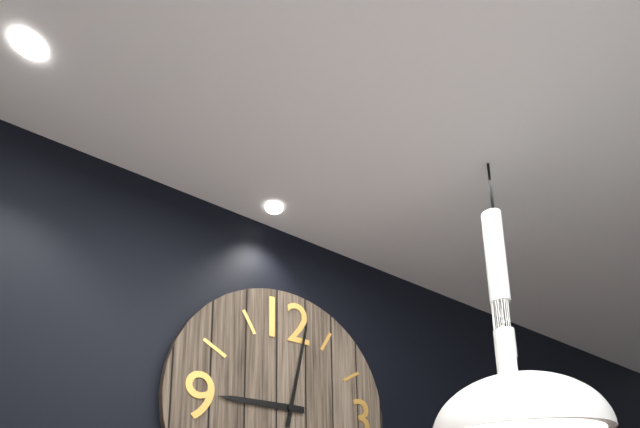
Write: 9h02
